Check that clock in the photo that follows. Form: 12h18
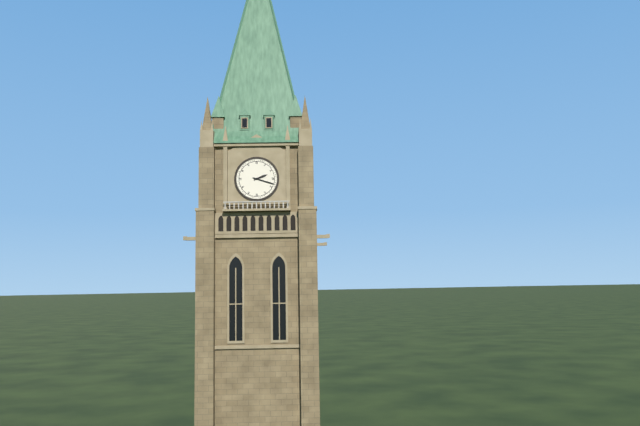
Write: 2h18
